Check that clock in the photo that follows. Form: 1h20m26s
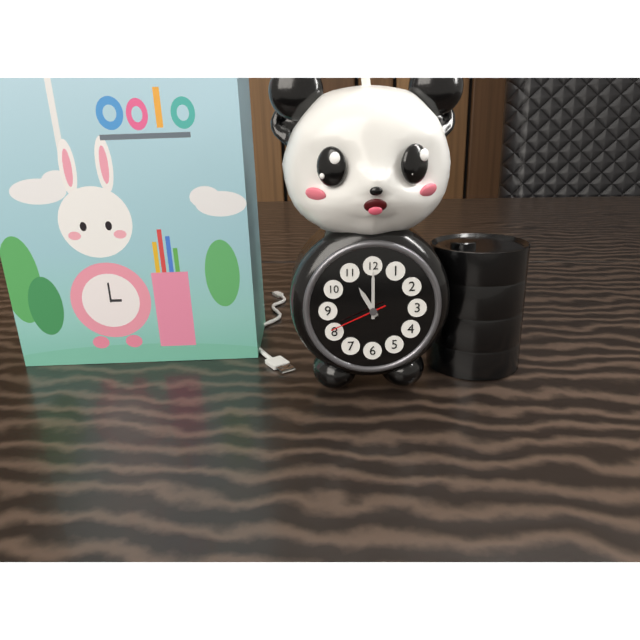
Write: 11h00m41s
